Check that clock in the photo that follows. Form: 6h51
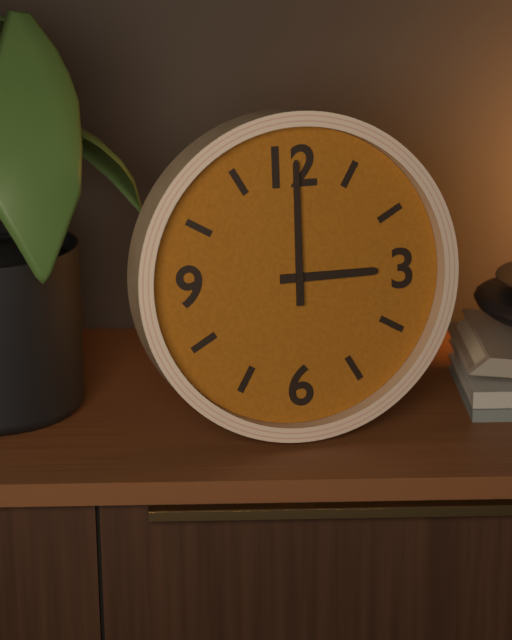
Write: 3h00
